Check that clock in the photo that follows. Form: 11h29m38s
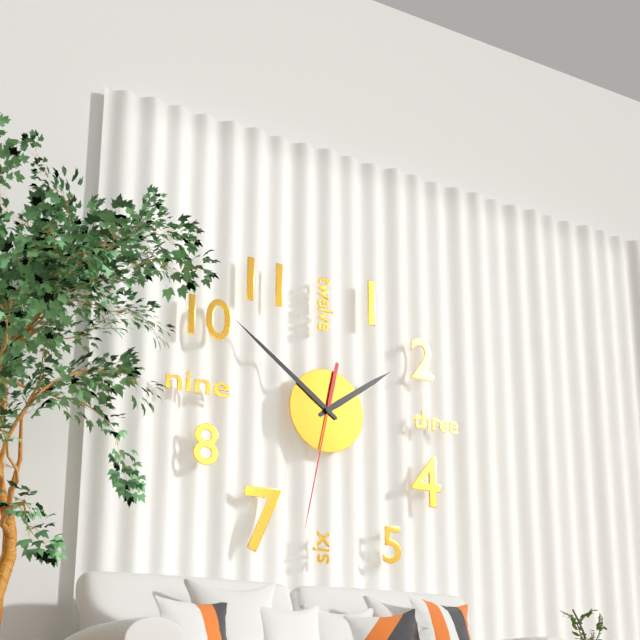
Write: 1h51m32s
